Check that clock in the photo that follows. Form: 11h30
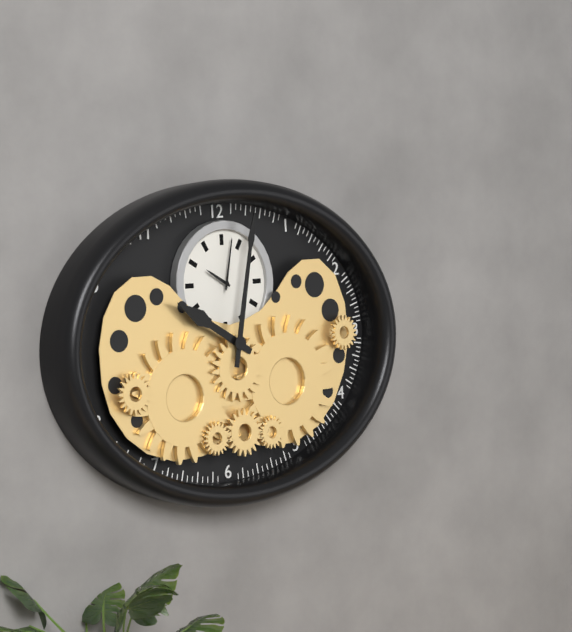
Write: 10h02
